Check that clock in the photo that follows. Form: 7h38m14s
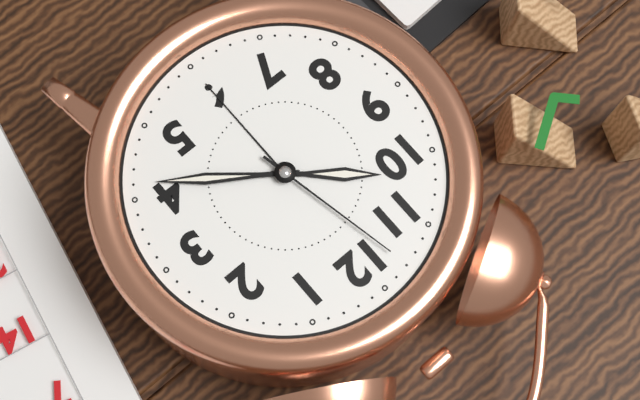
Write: 10h21m58s
